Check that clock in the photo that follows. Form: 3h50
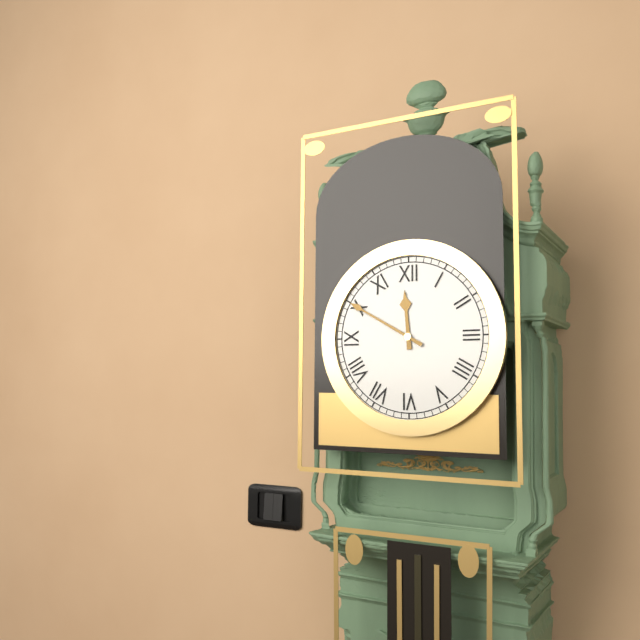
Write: 11h50
